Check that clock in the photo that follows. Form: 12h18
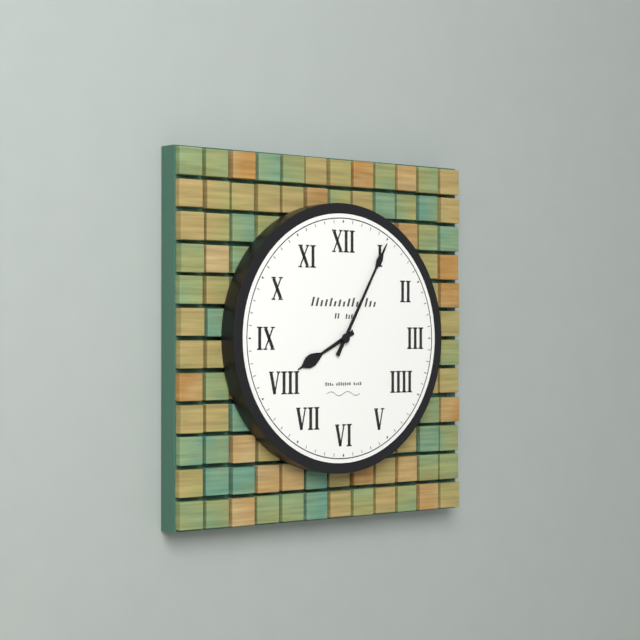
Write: 8h05
